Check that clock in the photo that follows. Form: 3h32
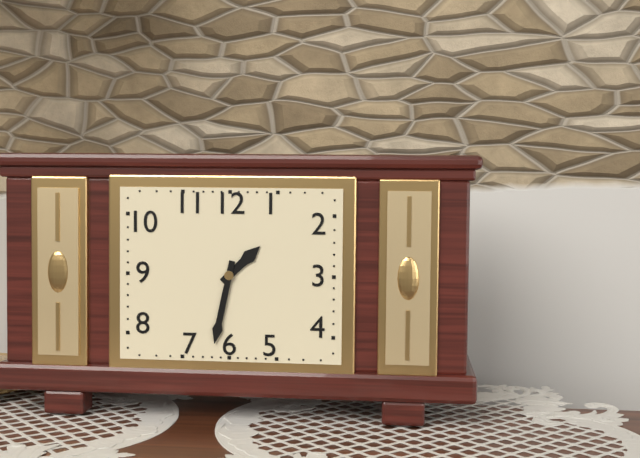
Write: 1h32
